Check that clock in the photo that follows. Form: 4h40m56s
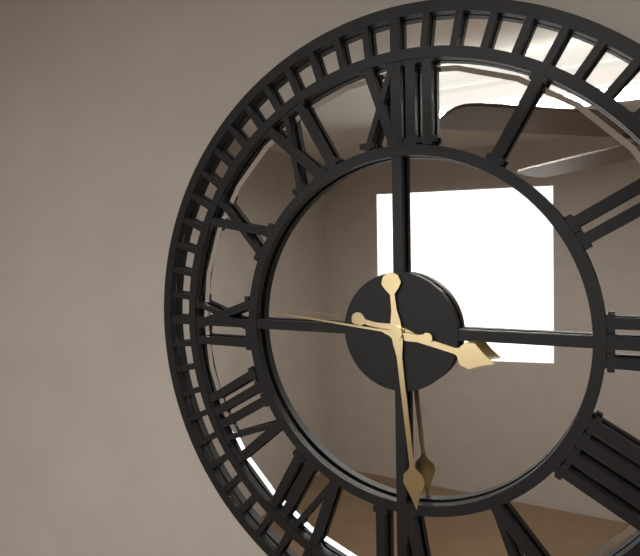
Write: 3h29m46s
